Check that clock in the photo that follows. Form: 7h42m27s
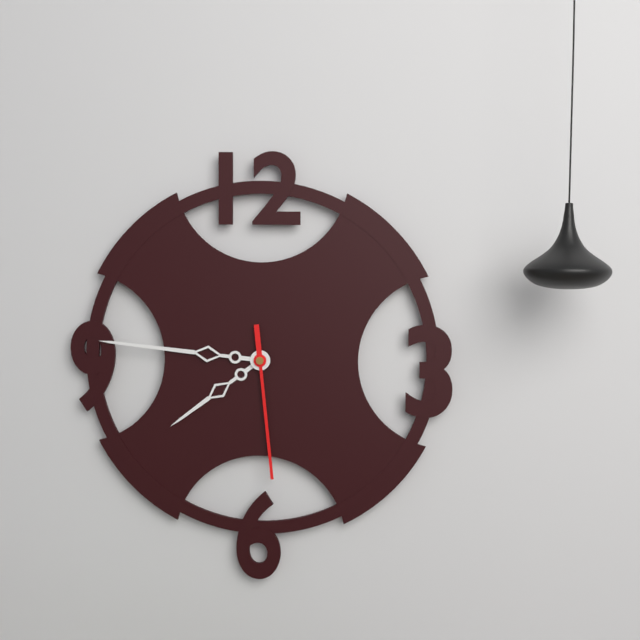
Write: 7h46m29s
